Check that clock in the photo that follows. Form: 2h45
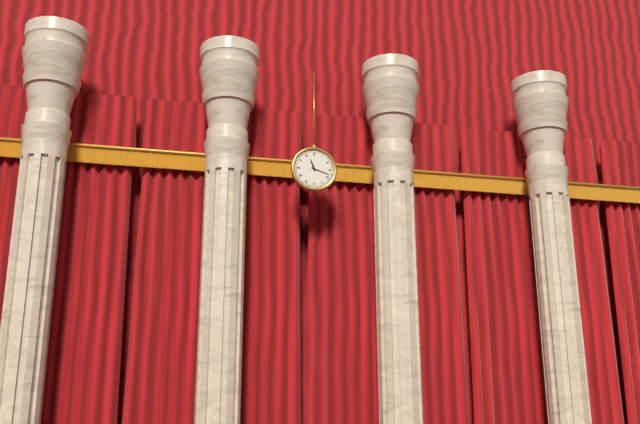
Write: 11h18
